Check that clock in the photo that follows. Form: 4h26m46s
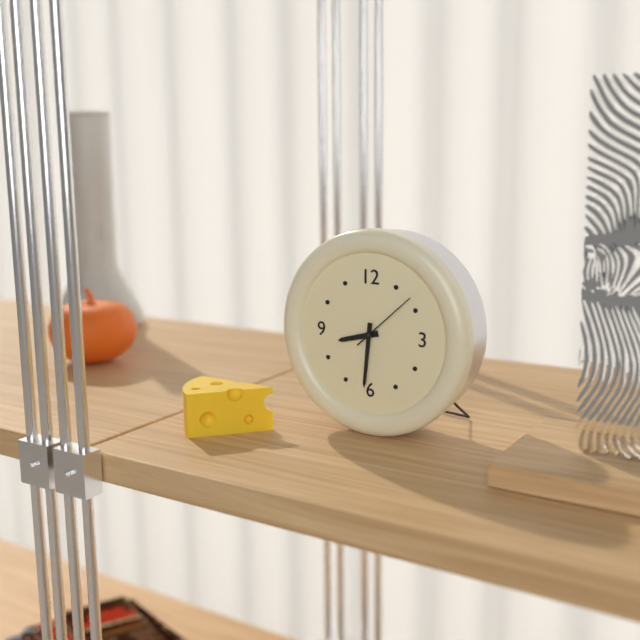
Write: 8h31m08s
